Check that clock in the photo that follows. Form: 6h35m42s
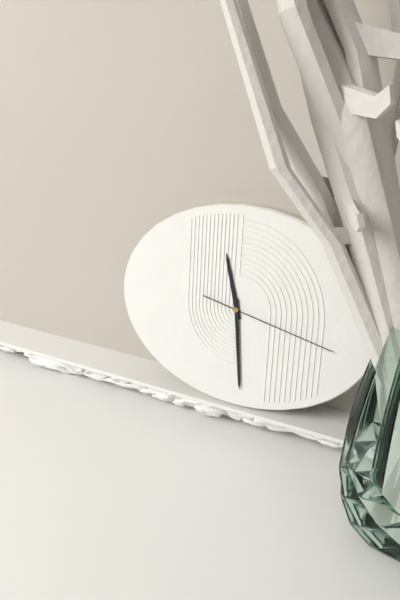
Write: 11h29m17s
